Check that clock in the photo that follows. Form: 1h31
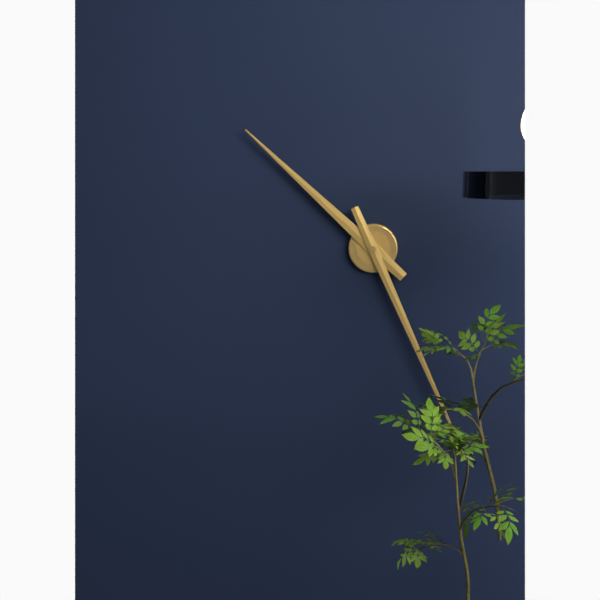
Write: 10h26
